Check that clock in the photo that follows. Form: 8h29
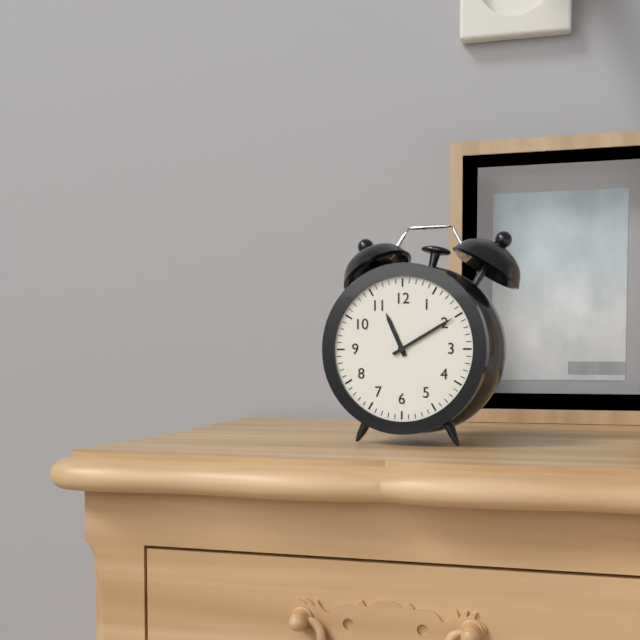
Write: 11h10
